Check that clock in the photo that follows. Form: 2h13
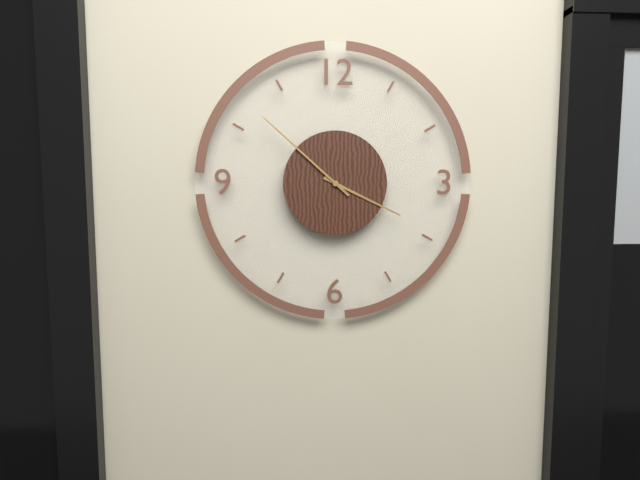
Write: 3h52
